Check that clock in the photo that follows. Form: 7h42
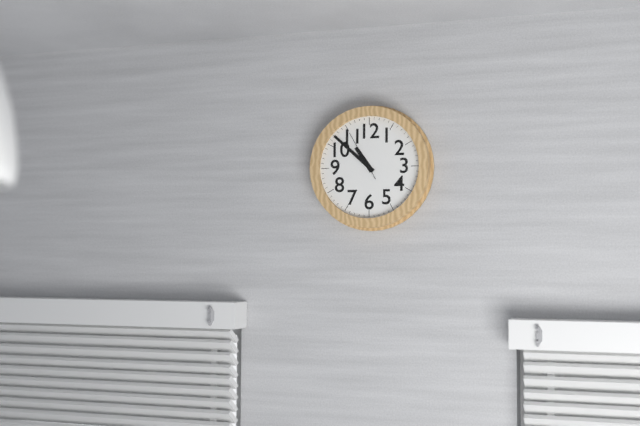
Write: 10h52
